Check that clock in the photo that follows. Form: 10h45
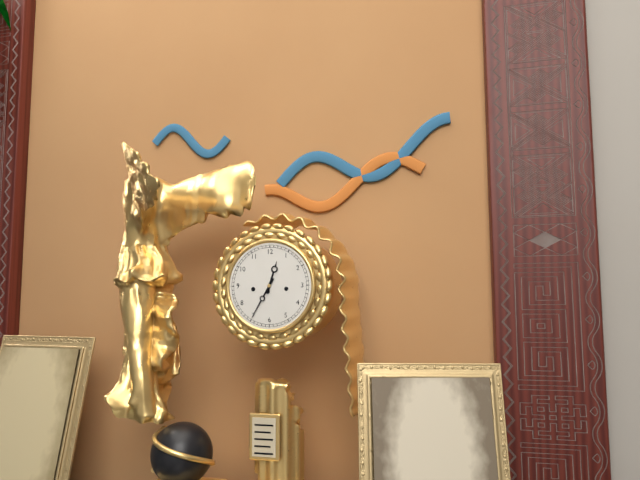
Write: 12h35
